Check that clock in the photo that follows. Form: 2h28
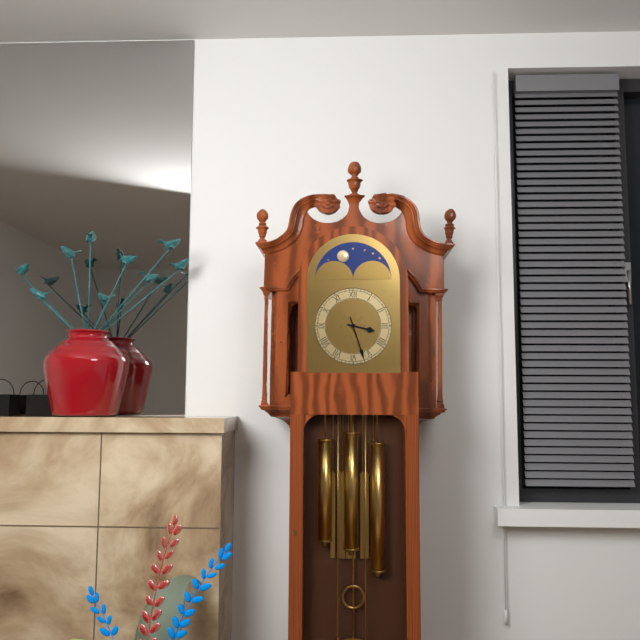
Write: 3h27
